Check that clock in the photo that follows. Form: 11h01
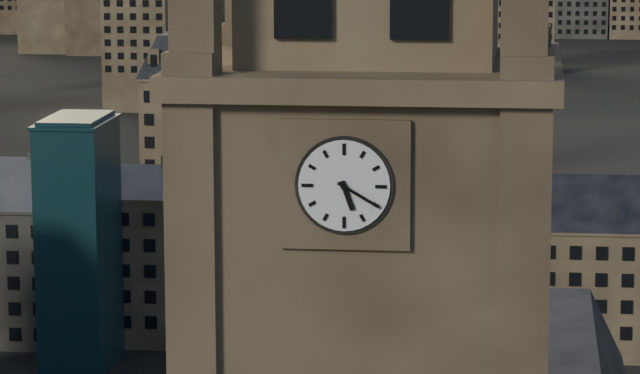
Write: 5h20
